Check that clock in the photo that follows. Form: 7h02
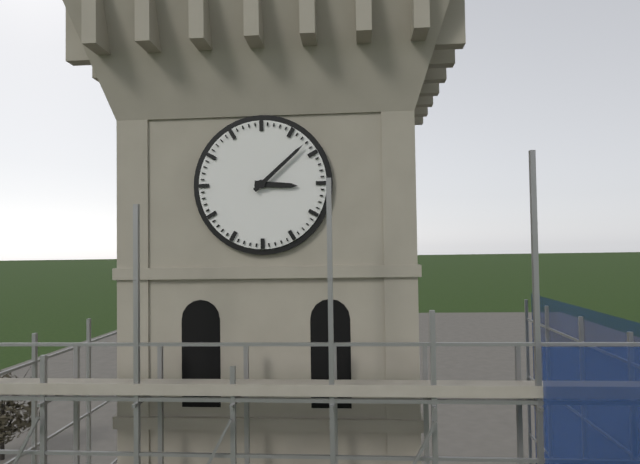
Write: 3h08
